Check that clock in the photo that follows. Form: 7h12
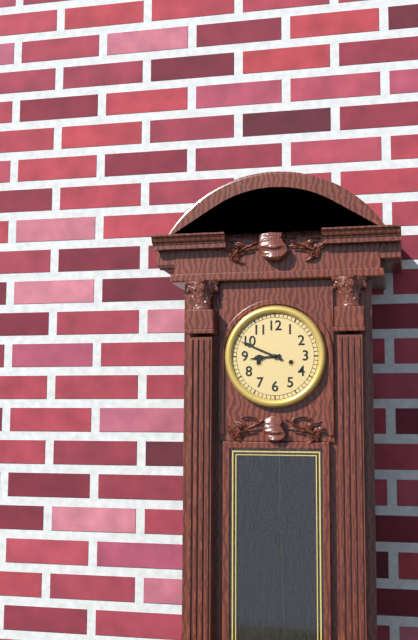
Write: 8h49
